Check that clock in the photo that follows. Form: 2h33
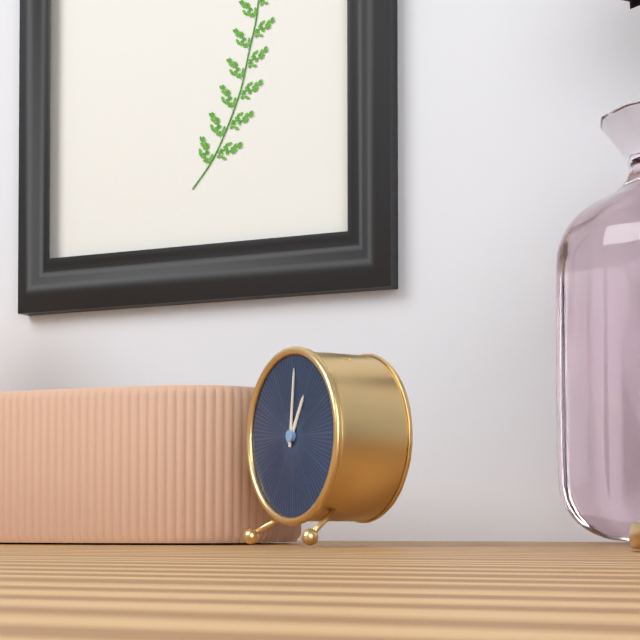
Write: 1h01
